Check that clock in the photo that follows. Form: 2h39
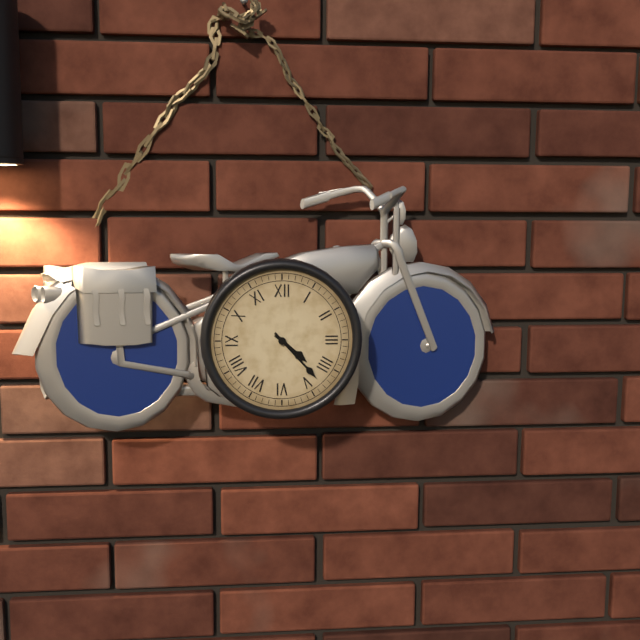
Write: 4h23
